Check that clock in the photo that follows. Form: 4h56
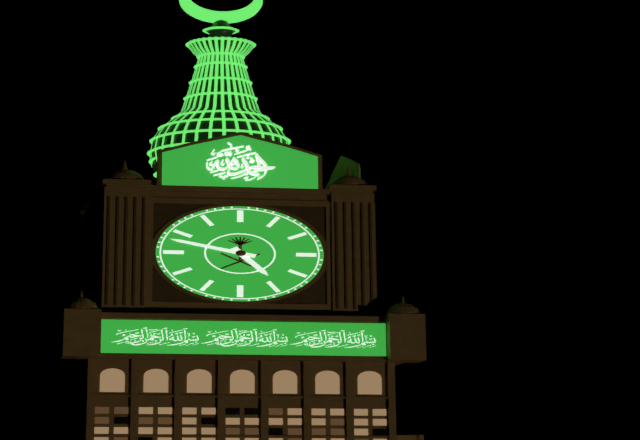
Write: 4h48
